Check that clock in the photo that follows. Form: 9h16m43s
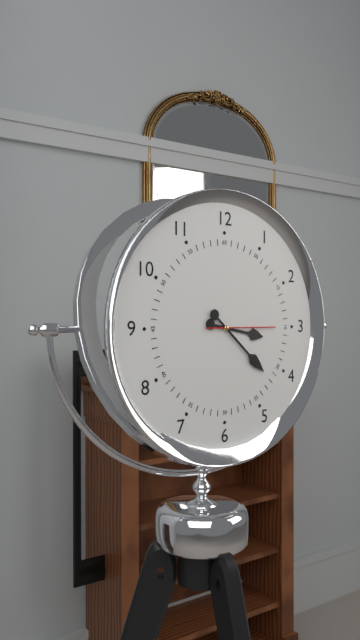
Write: 3h22m15s
